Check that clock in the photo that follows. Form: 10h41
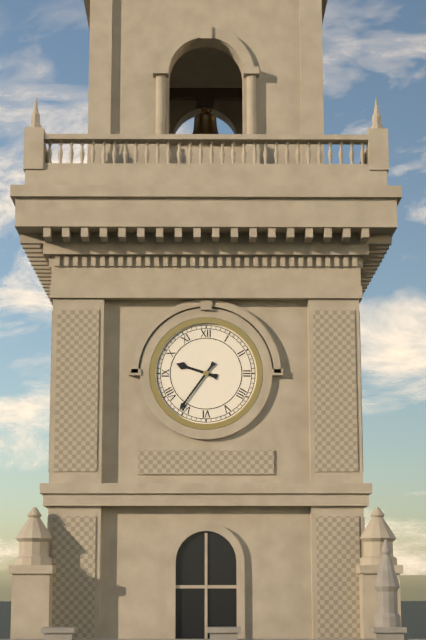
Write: 9h36
